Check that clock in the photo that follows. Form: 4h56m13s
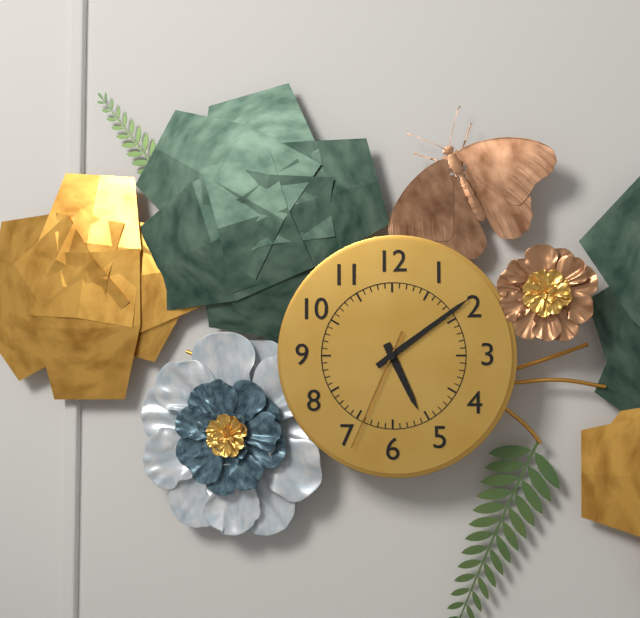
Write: 5h09m34s
